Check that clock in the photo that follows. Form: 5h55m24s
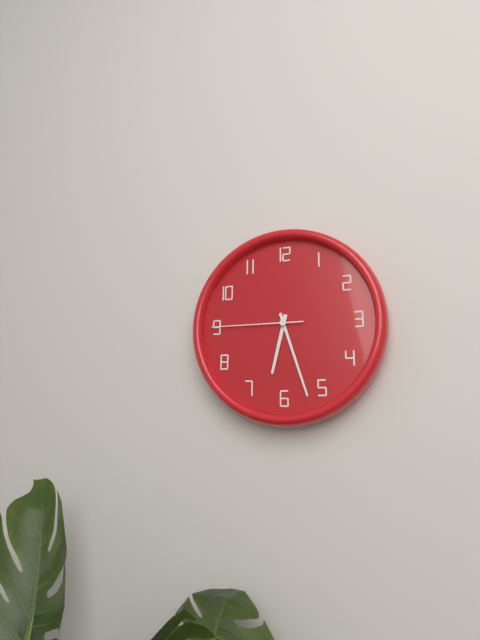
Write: 6h27m45s
